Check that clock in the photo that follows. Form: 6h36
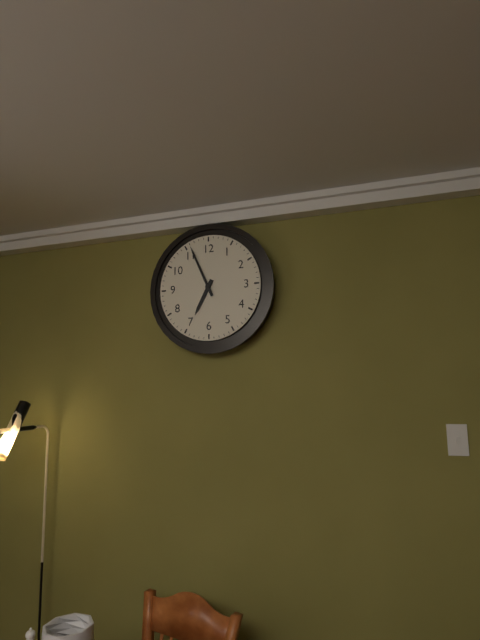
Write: 6h56
